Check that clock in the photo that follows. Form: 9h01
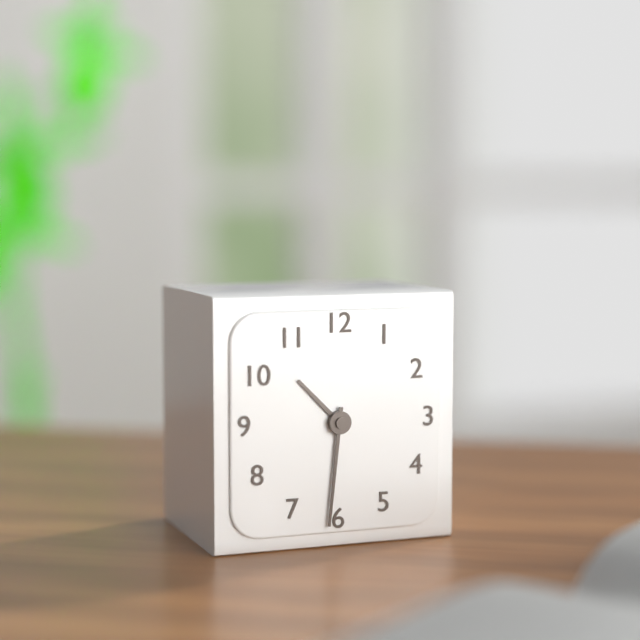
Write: 10h31
